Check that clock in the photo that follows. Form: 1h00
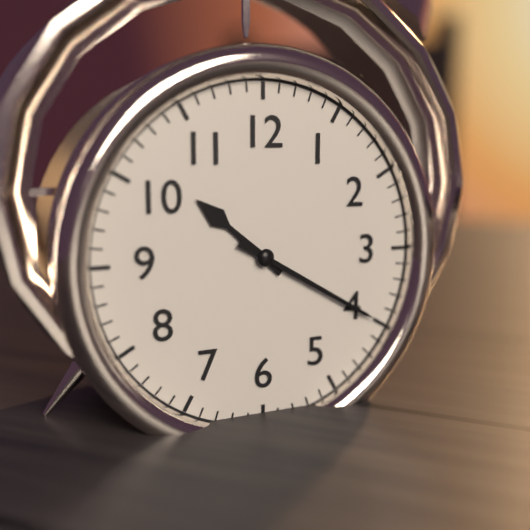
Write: 10h20
